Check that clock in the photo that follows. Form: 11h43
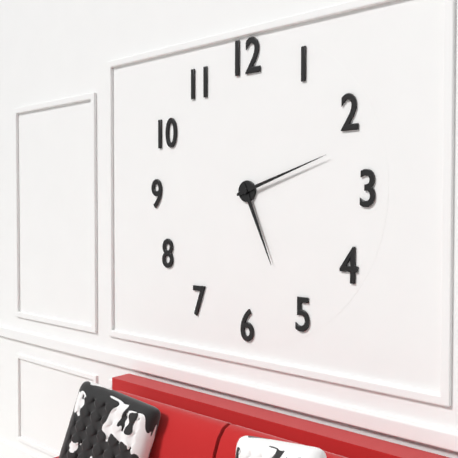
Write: 5h12
